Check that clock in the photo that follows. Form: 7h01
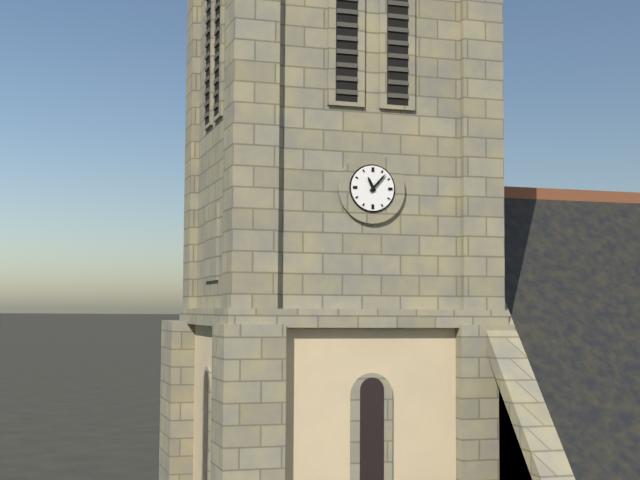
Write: 11h07
